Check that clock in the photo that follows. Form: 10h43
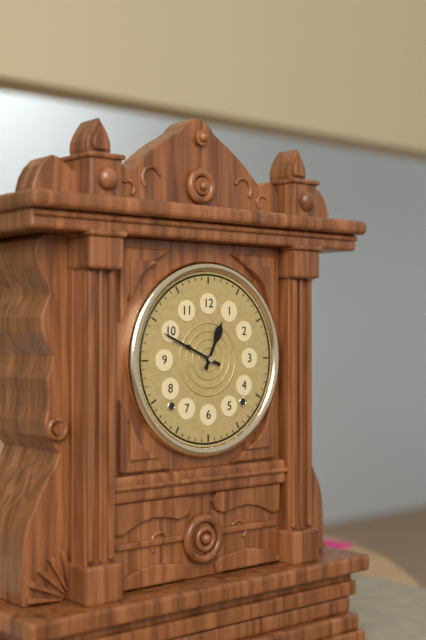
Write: 12h49
